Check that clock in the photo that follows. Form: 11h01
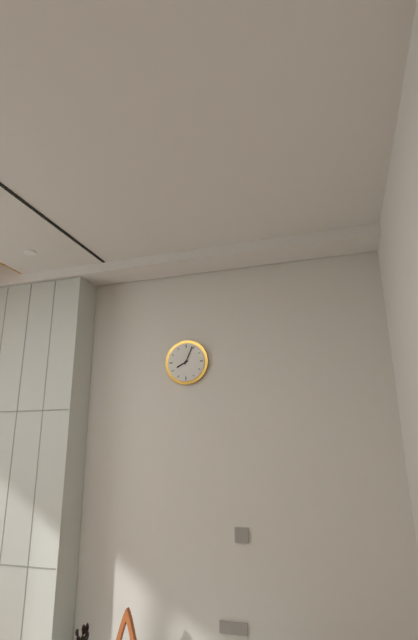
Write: 8h04
